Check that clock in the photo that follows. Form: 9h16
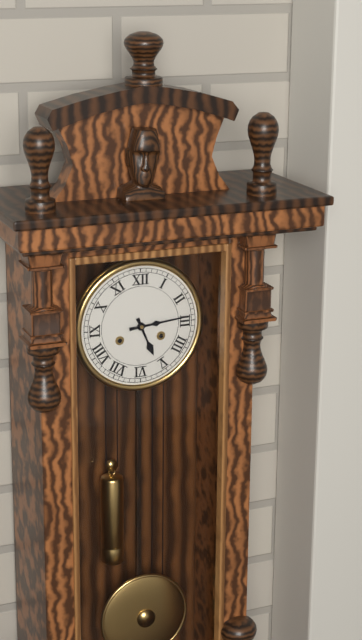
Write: 5h14
